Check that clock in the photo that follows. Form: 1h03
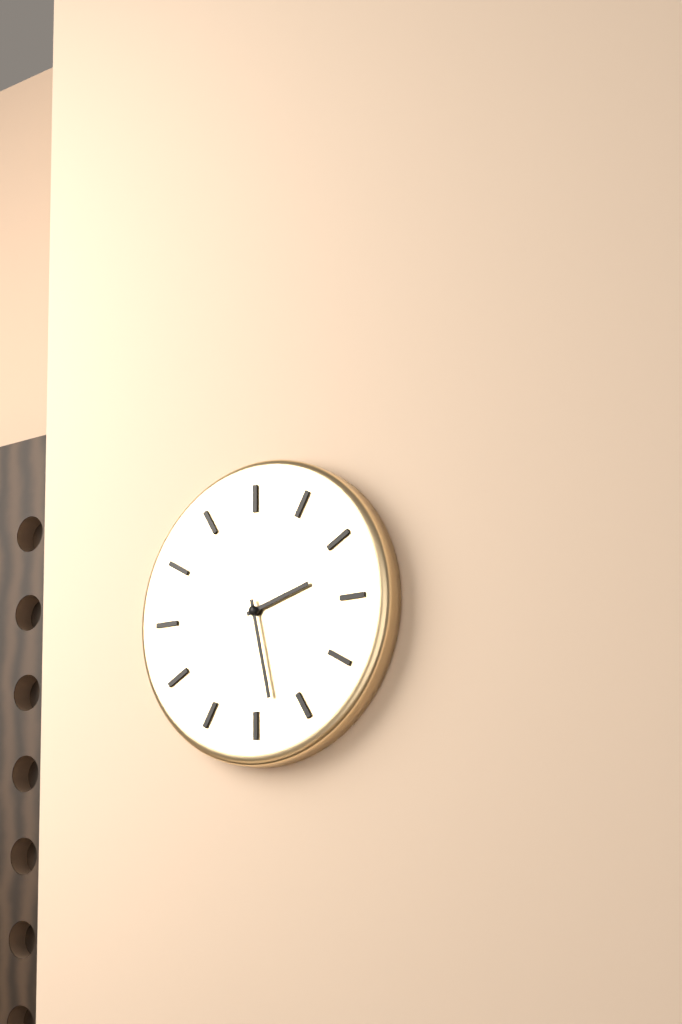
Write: 2h28
